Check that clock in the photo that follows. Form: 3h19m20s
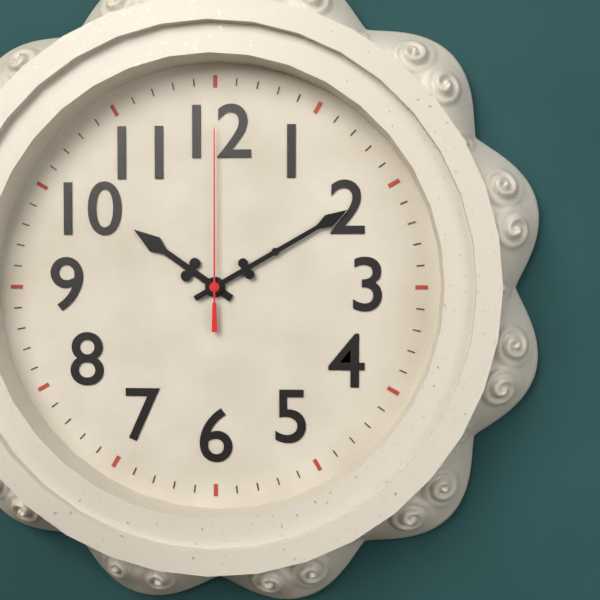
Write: 10h10m00s
